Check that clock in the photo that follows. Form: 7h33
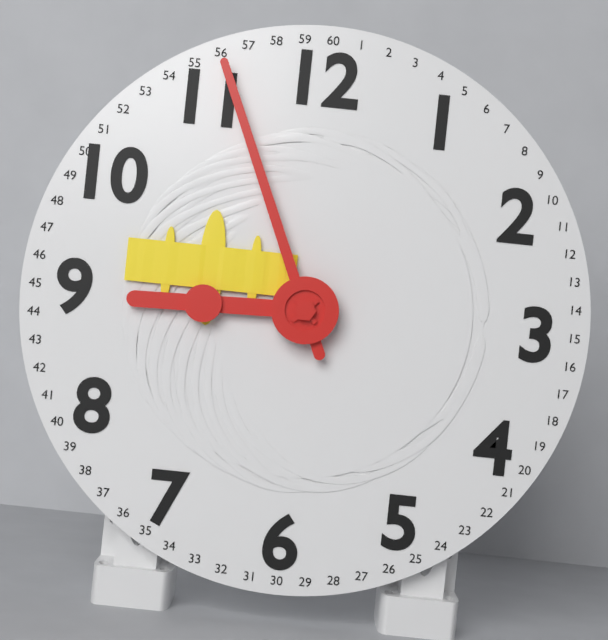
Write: 8h56
